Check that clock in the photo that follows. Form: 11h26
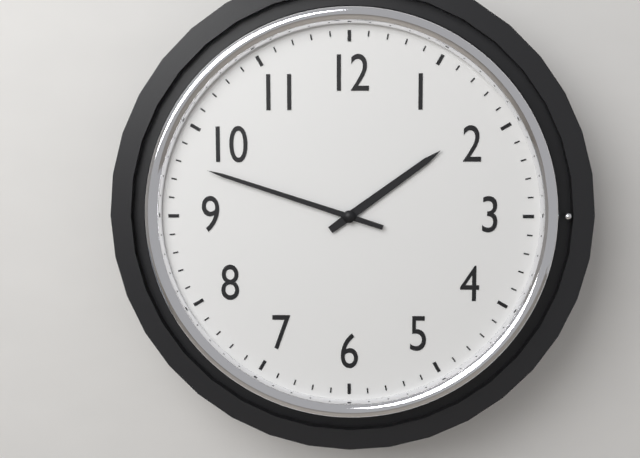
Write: 1h48
